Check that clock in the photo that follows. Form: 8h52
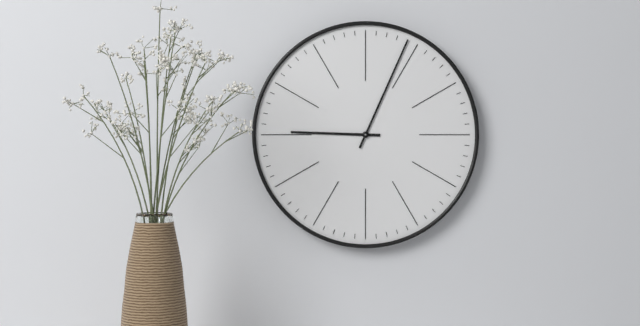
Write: 9h04
